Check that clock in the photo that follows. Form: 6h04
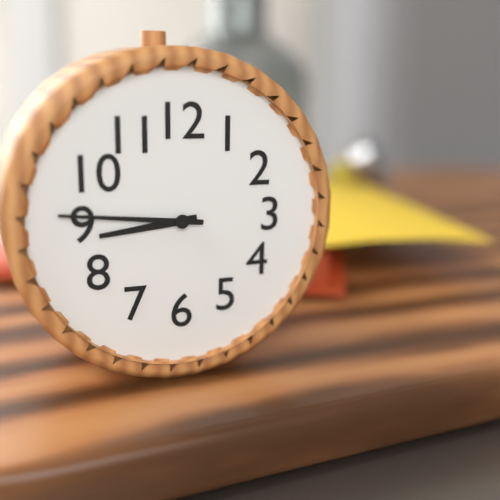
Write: 8h46
